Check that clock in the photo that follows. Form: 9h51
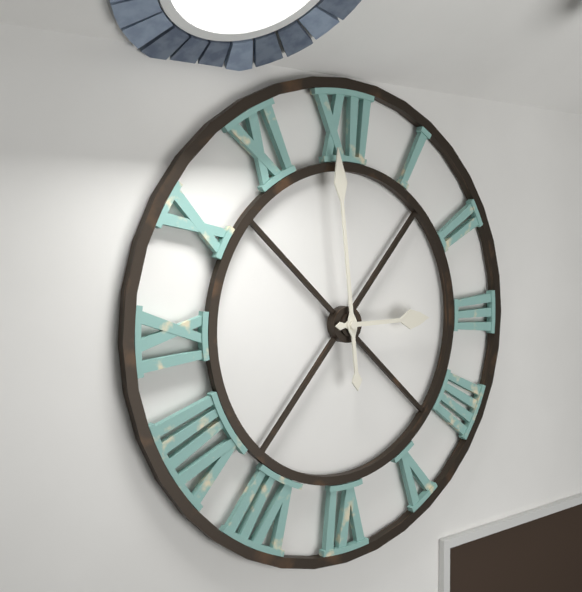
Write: 2h59
